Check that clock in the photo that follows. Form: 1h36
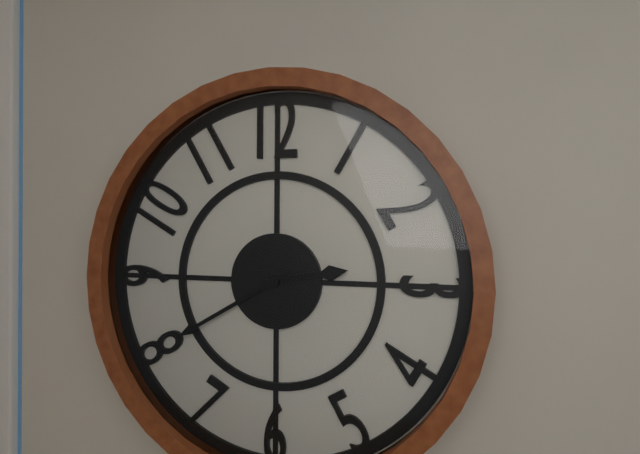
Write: 2h40
